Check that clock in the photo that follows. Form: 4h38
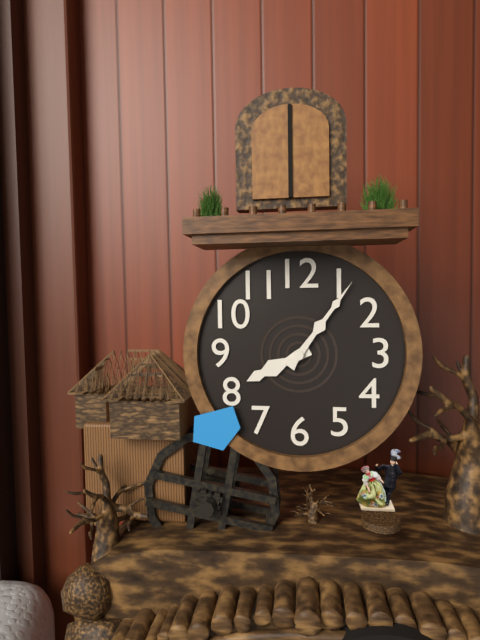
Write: 8h06
